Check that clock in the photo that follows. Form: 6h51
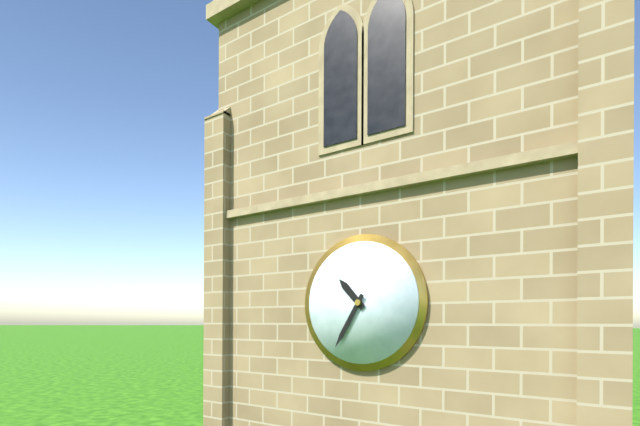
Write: 10h35
